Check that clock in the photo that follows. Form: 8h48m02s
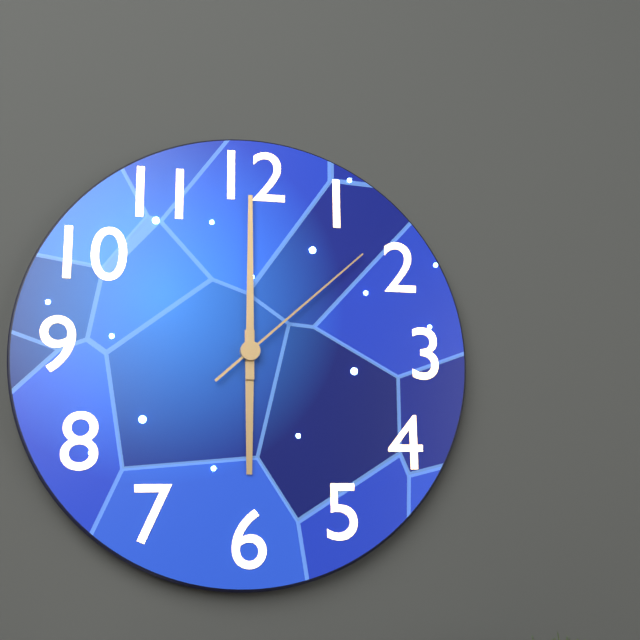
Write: 6h00m08s
